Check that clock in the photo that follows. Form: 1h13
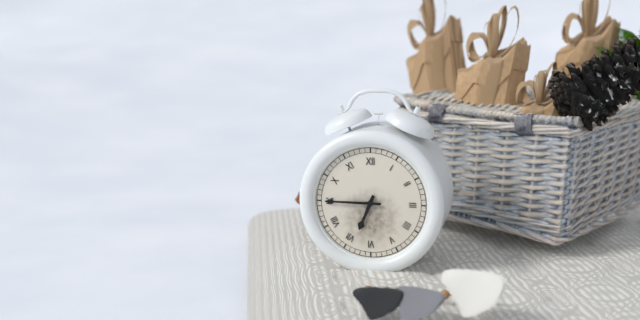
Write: 6h45
